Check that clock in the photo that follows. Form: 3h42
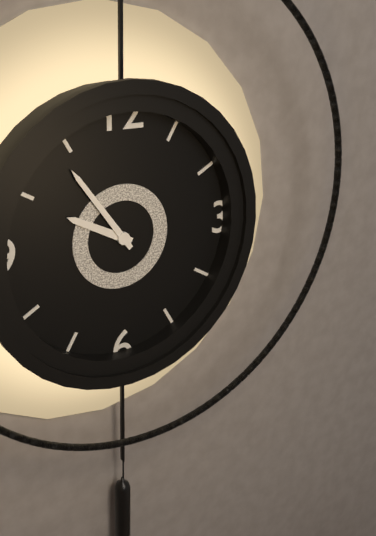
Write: 9h54
